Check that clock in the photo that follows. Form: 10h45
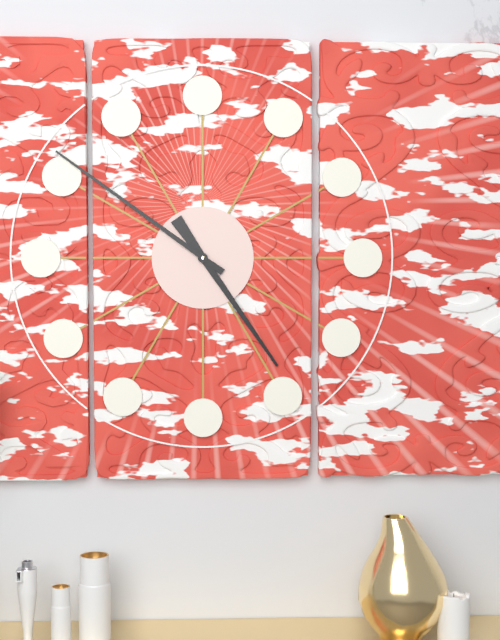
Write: 4h51
